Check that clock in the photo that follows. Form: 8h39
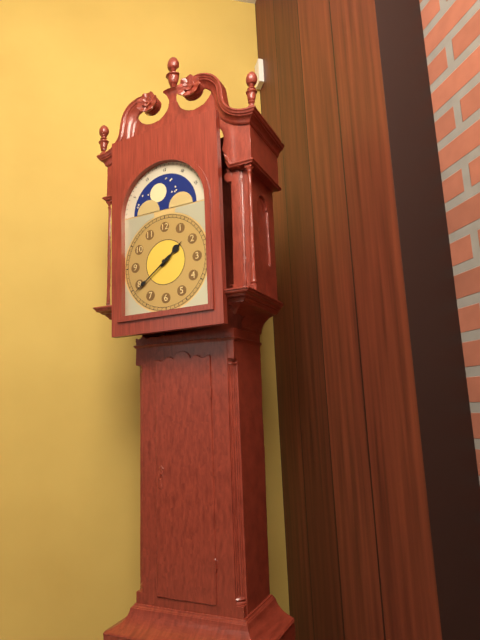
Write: 1h39
